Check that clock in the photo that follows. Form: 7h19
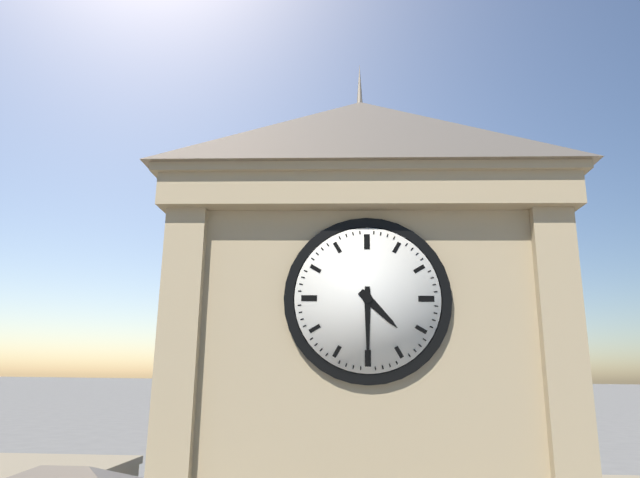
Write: 4h30
